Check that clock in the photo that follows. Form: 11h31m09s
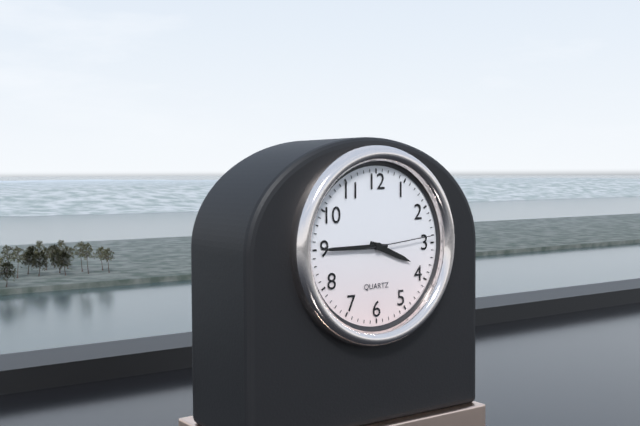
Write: 3h45m14s
